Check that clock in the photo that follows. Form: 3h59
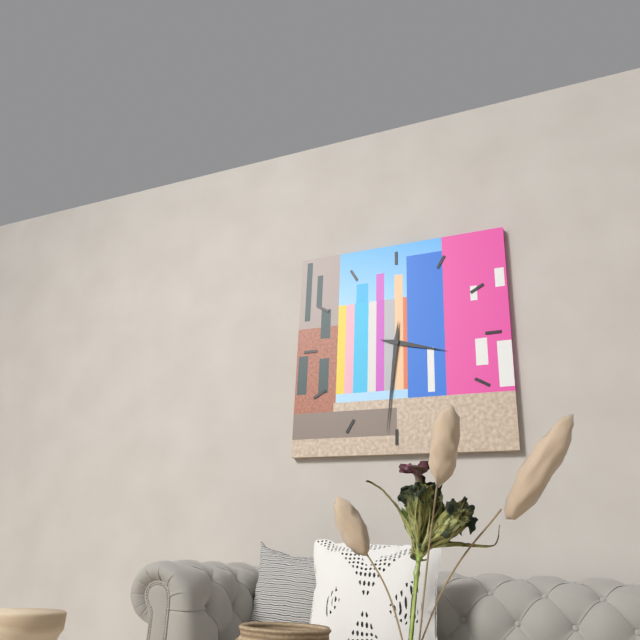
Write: 3h31
